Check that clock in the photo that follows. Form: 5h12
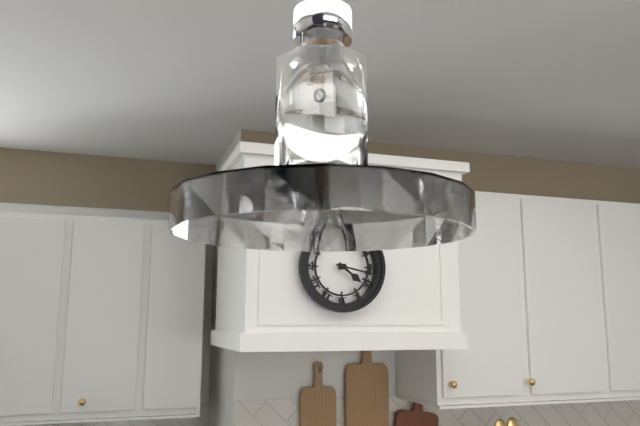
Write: 4h17
